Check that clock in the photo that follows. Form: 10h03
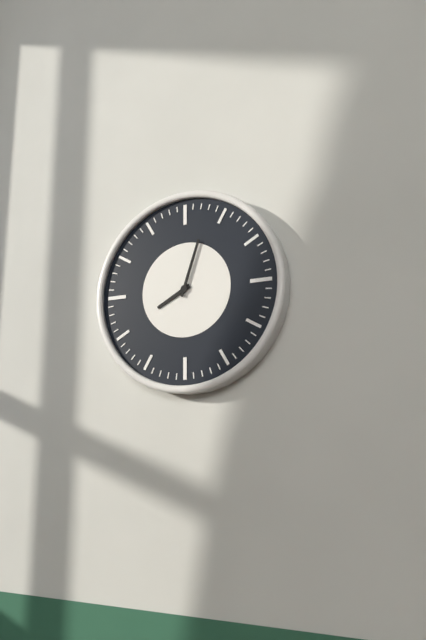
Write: 8h03
